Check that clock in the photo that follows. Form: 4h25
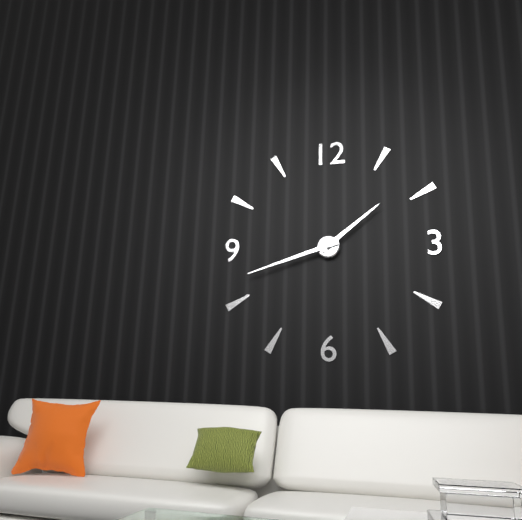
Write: 1h42
